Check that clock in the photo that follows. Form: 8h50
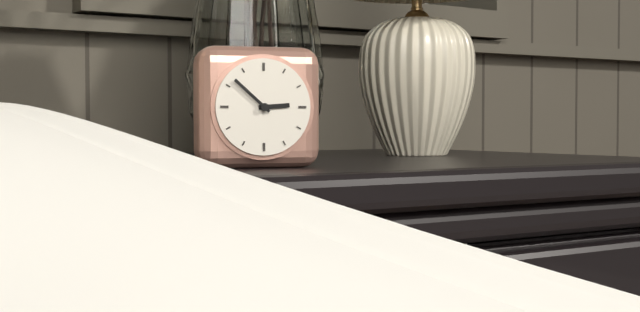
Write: 2h52
